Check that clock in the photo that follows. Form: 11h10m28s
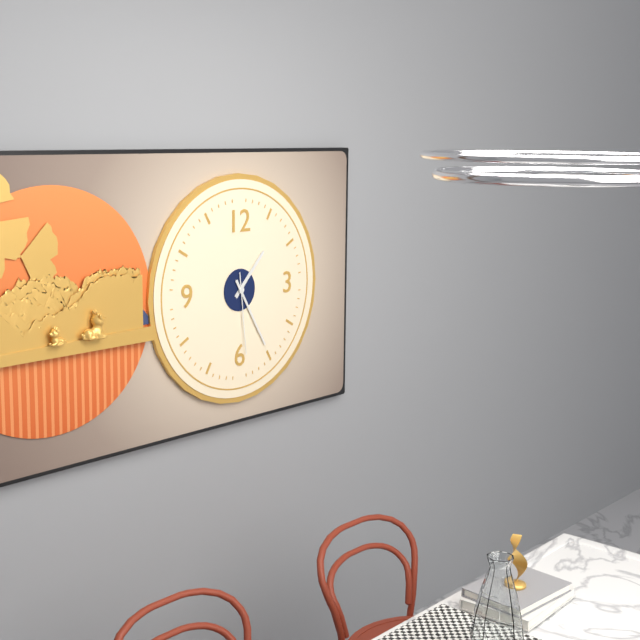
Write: 1h25m29s
